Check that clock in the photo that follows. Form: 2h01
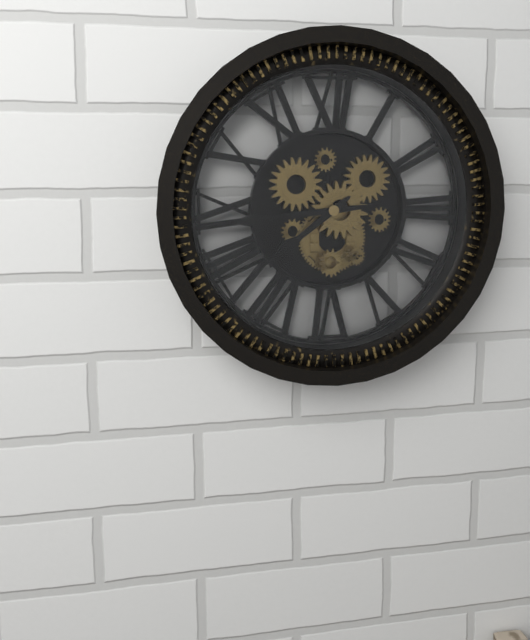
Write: 7h44
